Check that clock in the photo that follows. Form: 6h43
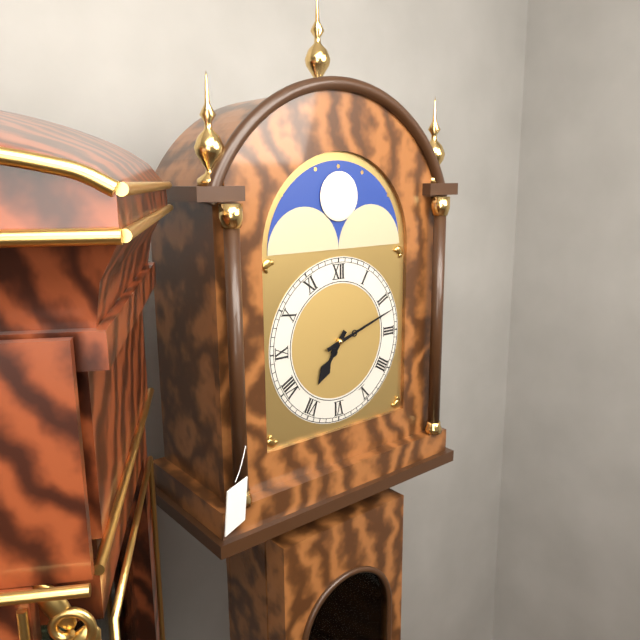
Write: 7h12
